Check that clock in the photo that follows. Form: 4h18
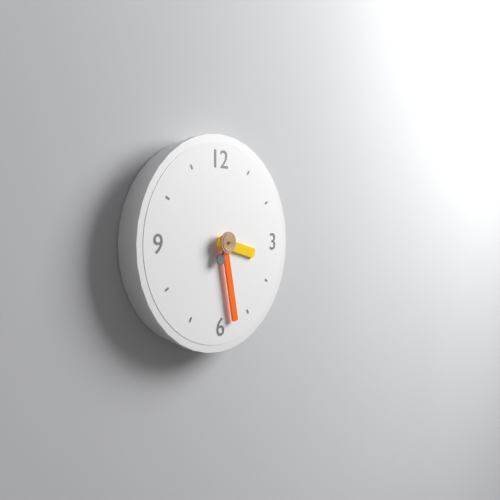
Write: 3h28
